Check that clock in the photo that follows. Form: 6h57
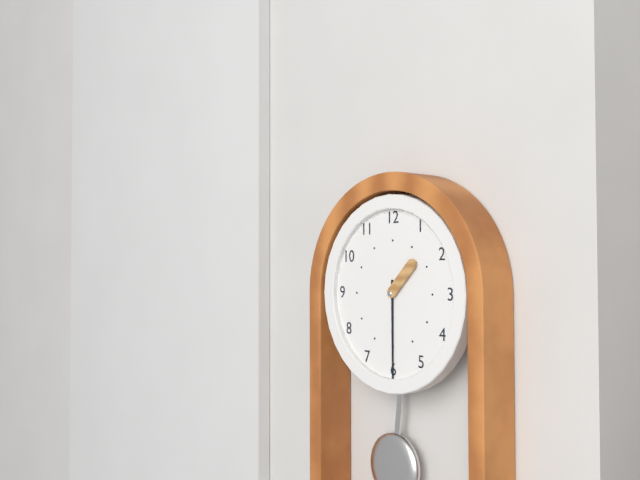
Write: 1h30
